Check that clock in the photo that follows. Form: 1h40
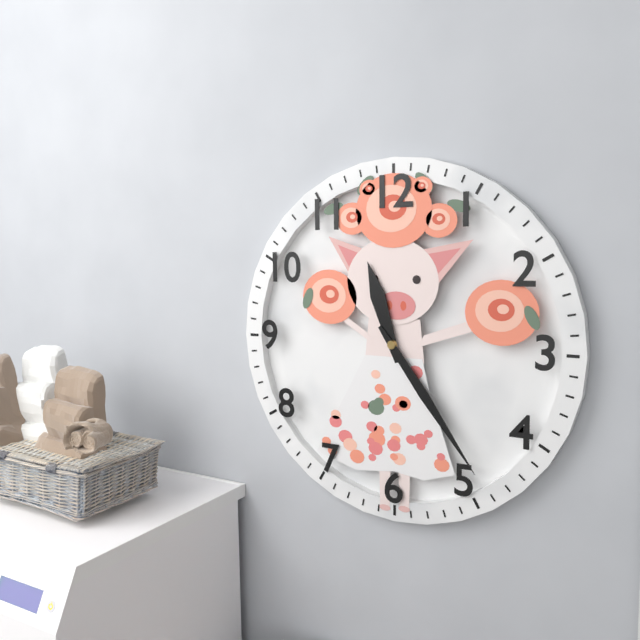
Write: 11h24
